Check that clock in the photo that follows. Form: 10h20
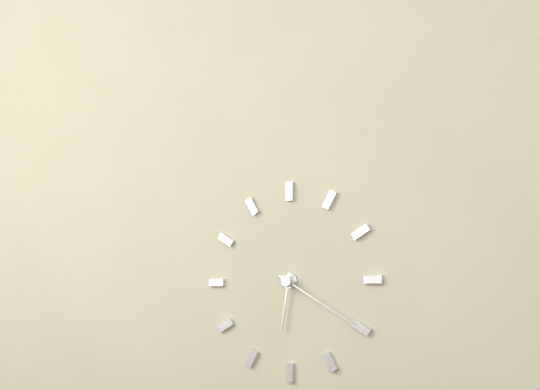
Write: 6h20
